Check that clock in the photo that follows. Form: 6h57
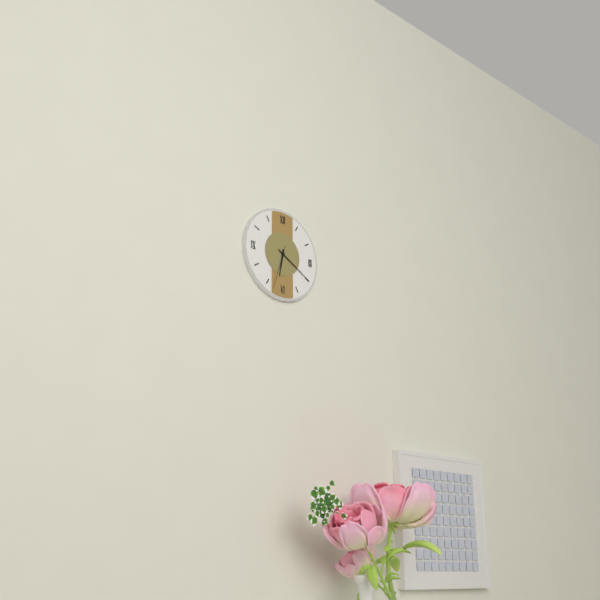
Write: 6h20
